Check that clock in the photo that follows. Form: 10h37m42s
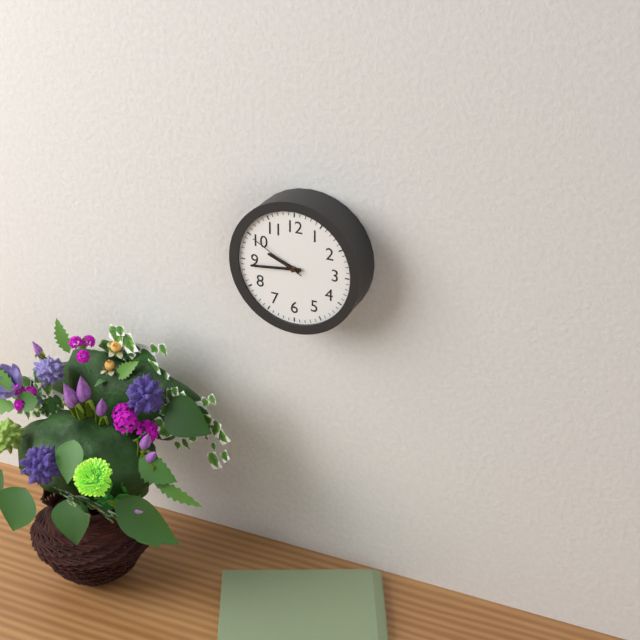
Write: 9h44m50s
